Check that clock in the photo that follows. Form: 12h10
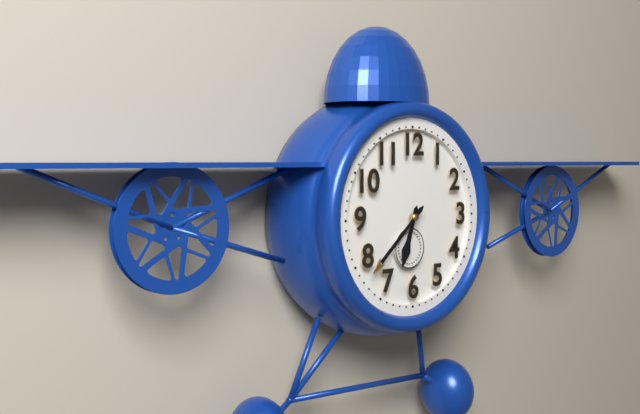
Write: 6h38
